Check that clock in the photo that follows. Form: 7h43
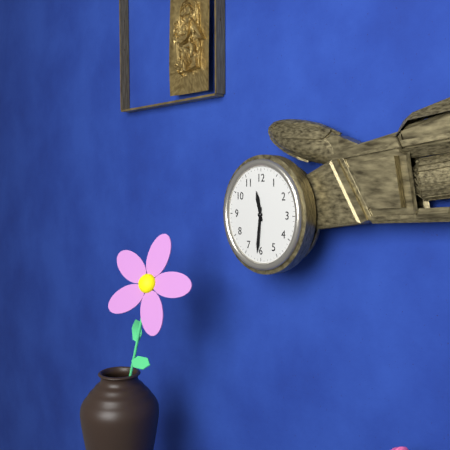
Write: 11h31
